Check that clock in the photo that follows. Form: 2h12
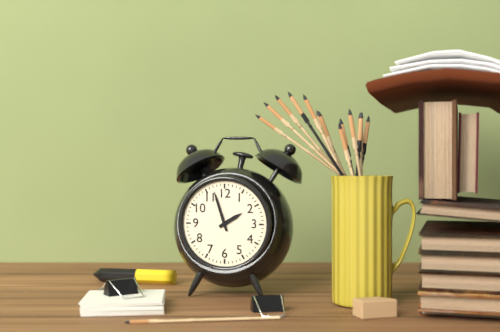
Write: 1h57
